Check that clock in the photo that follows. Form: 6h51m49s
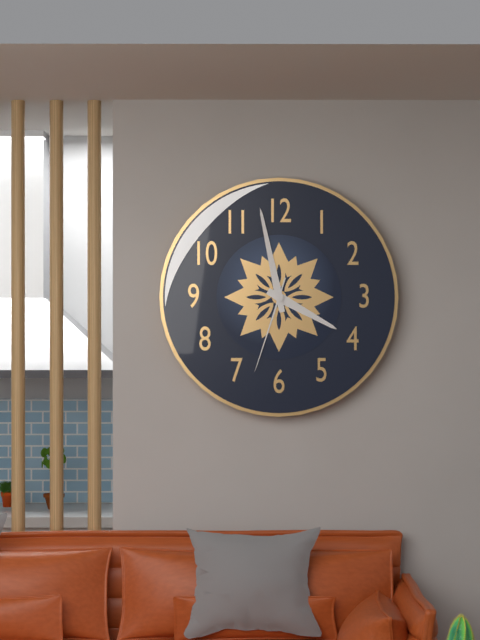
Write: 3h58m33s
